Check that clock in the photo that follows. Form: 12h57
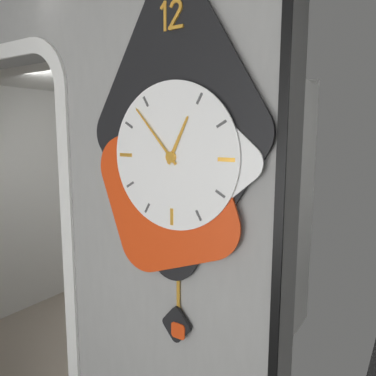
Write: 12h53
